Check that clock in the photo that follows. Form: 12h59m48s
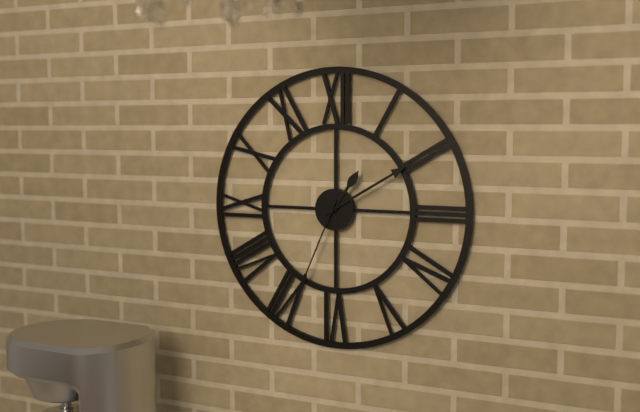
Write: 1h10m34s
